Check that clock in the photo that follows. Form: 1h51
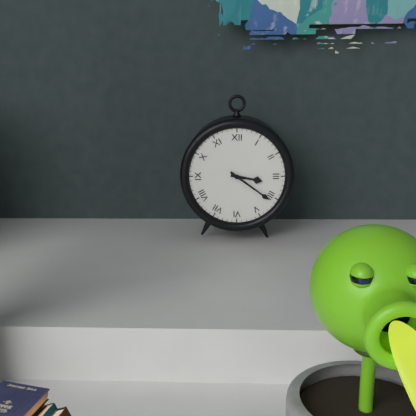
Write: 3h21
